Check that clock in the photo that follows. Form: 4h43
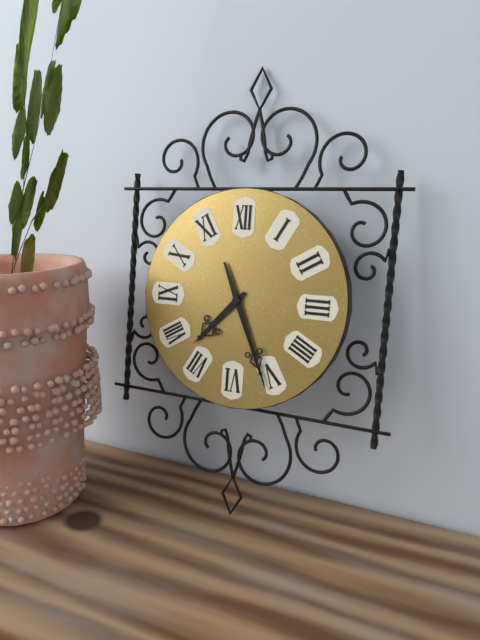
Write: 7h26
